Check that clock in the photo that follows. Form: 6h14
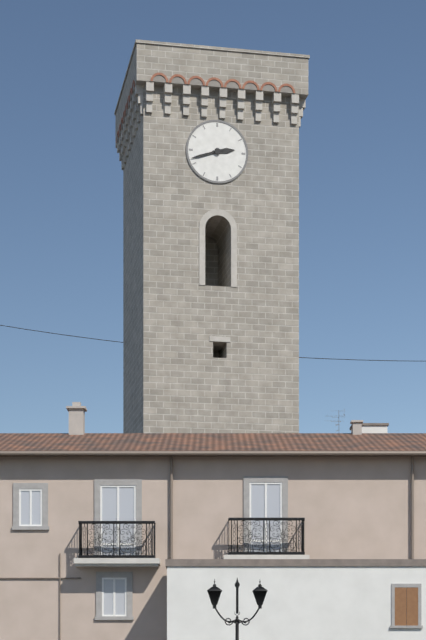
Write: 2h42
